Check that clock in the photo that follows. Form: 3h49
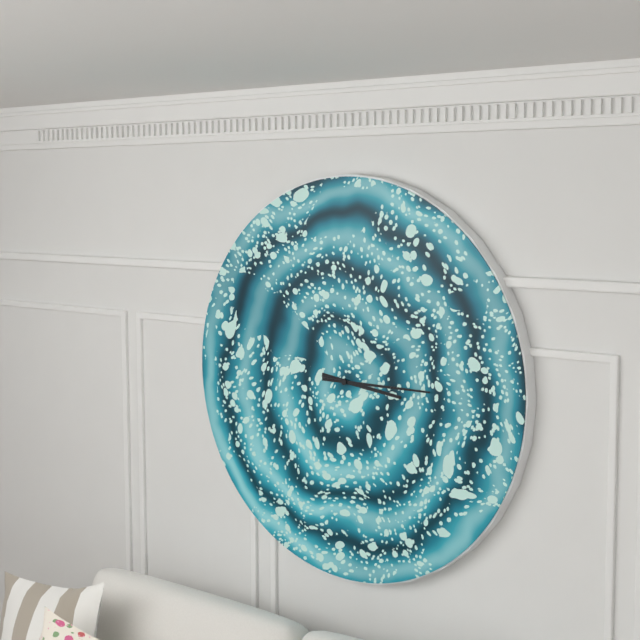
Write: 3h15
